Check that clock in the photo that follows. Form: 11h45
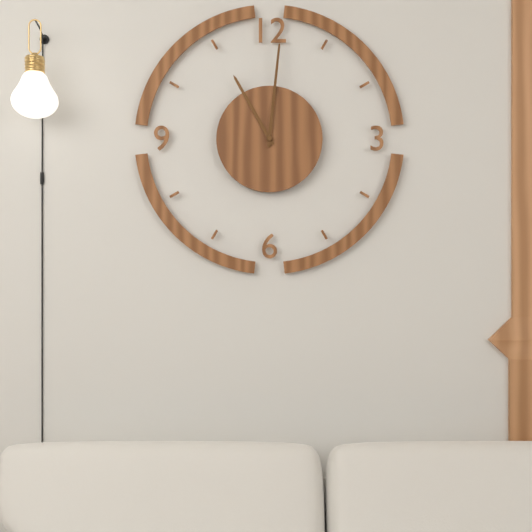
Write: 11h01
